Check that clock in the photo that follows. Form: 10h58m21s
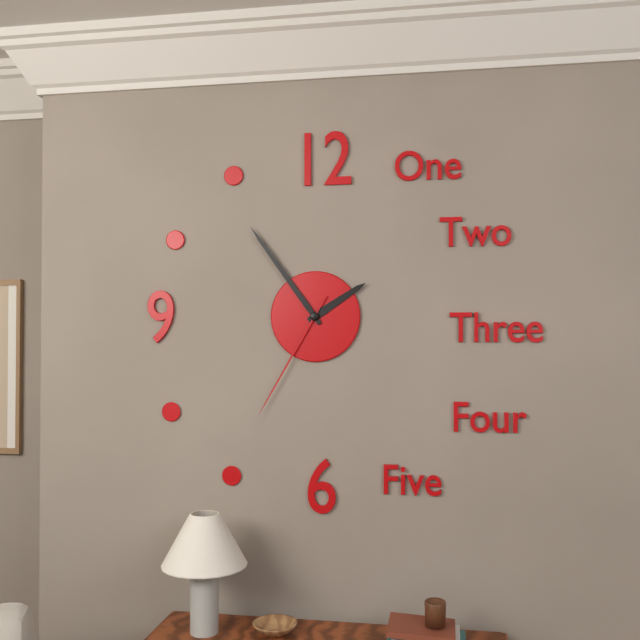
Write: 1h54m35s
